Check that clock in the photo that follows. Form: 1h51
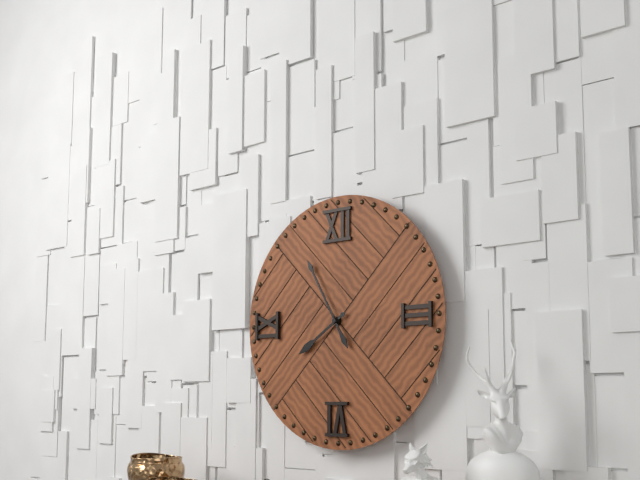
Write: 7h55
